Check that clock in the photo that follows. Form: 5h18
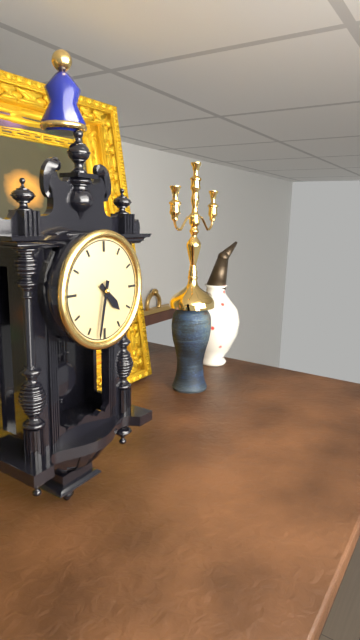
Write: 4h32
